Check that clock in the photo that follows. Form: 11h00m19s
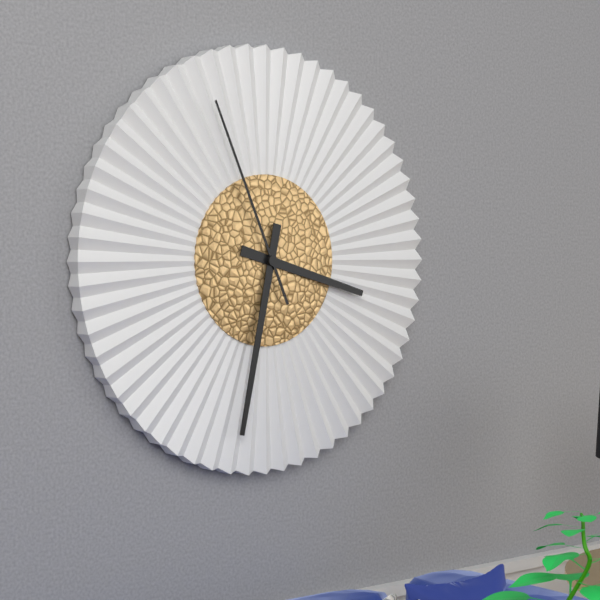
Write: 3h32m56s
